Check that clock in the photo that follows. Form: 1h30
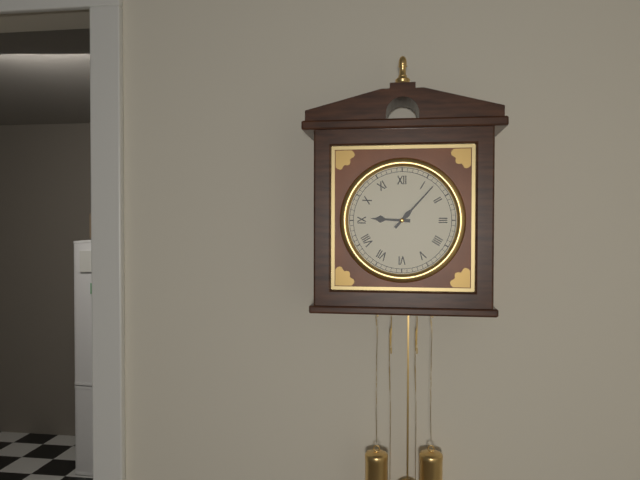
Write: 9h07
